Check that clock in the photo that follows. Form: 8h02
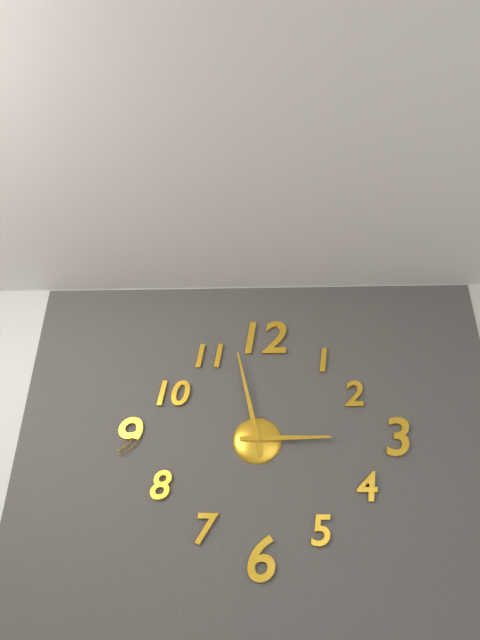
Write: 2h58
